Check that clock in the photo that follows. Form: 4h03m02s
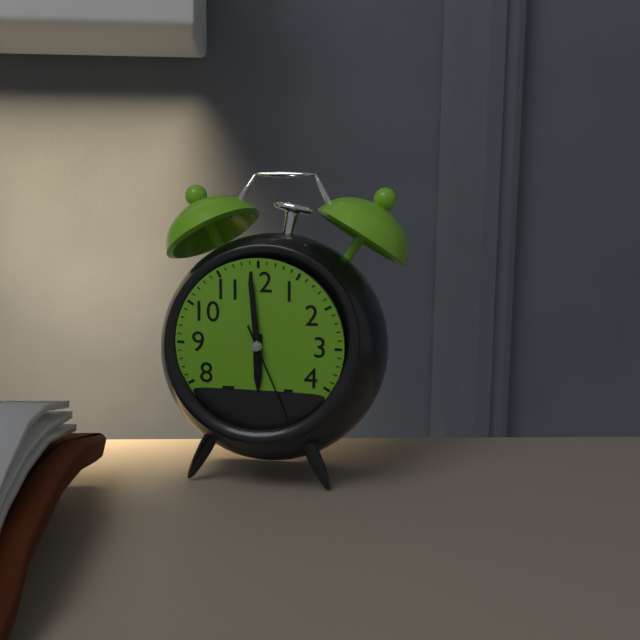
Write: 5h59m26s
